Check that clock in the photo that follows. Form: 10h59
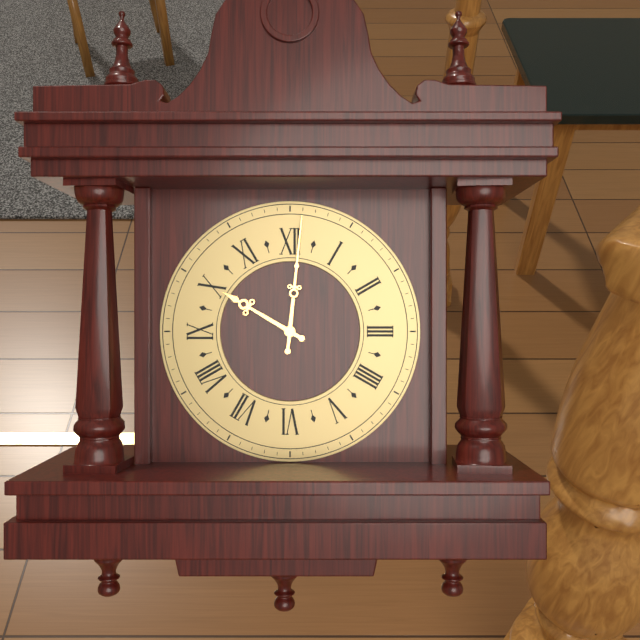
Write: 10h01
